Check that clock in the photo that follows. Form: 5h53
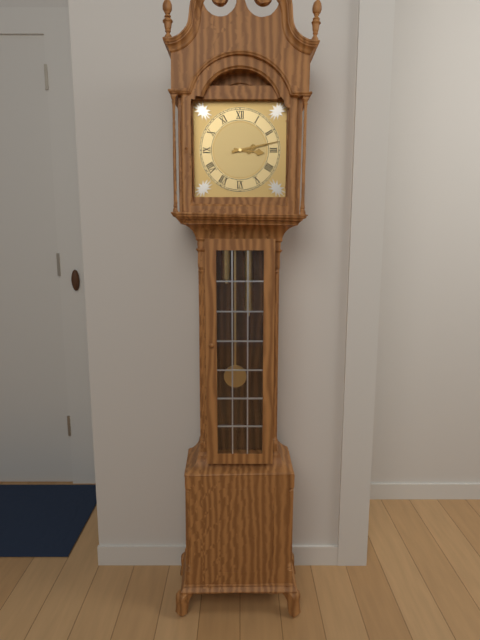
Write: 3h13
